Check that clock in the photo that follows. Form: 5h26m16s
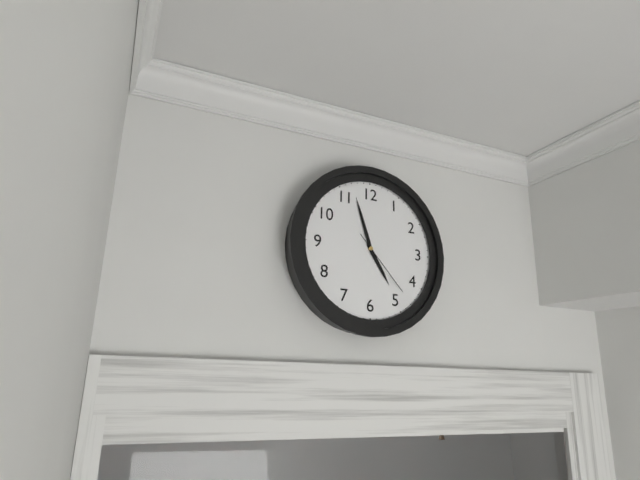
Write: 4h57m23s
